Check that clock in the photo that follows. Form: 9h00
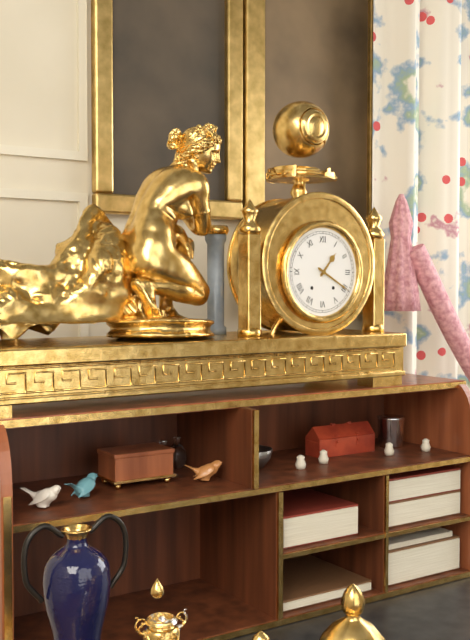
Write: 1h20
